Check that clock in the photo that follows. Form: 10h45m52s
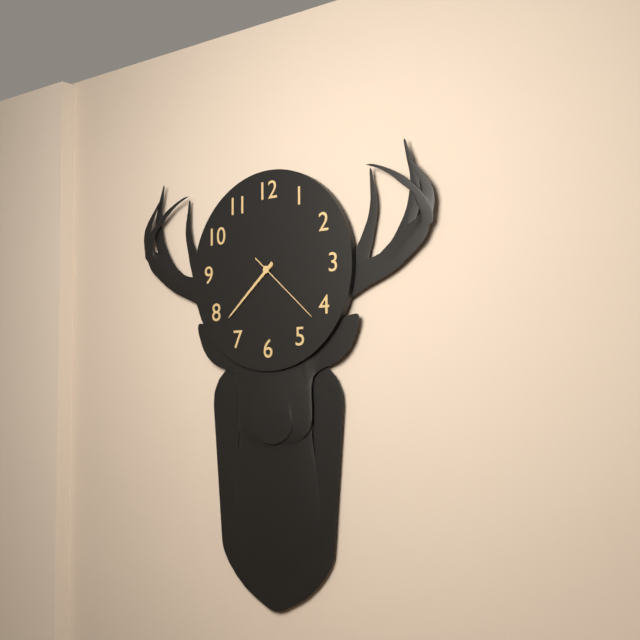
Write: 7h38m22s
